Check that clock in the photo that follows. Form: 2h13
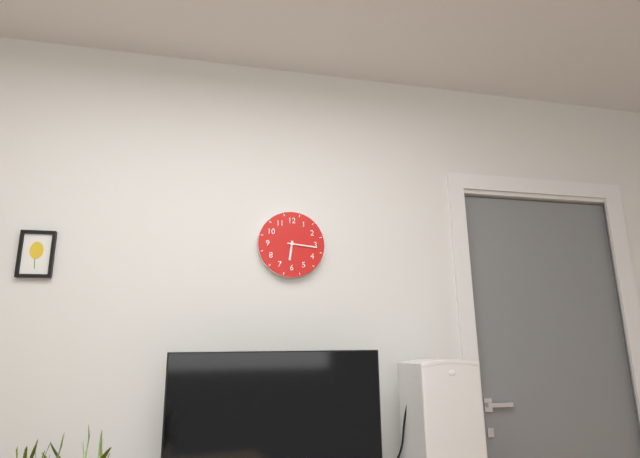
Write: 6h16
